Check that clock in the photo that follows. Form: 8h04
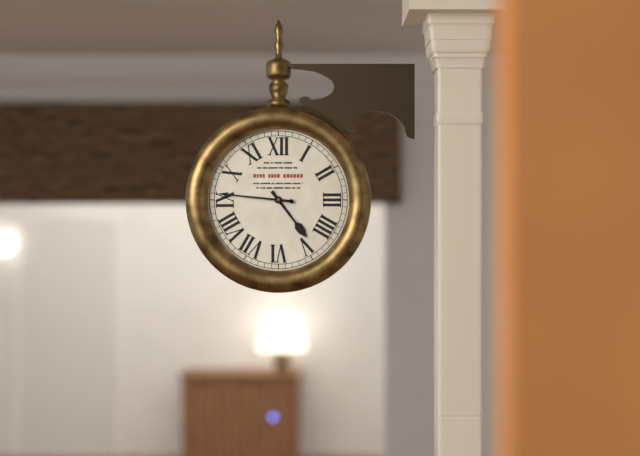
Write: 4h46
